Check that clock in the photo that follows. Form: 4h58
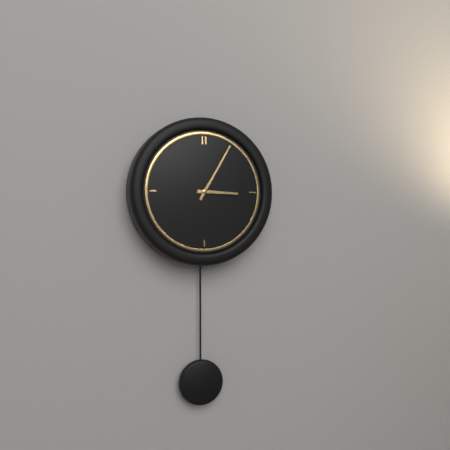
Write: 3h05
